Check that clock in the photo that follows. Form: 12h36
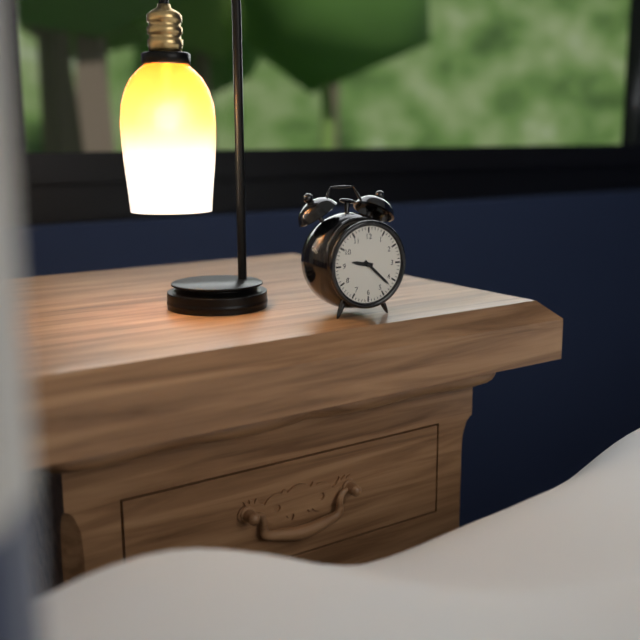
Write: 9h22
